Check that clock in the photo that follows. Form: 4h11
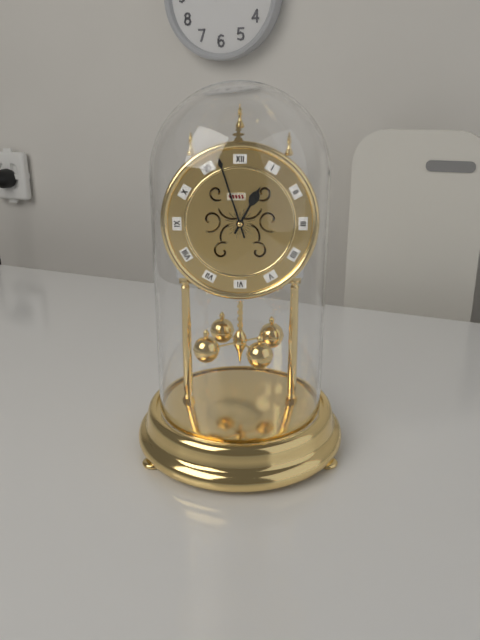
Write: 12h57
